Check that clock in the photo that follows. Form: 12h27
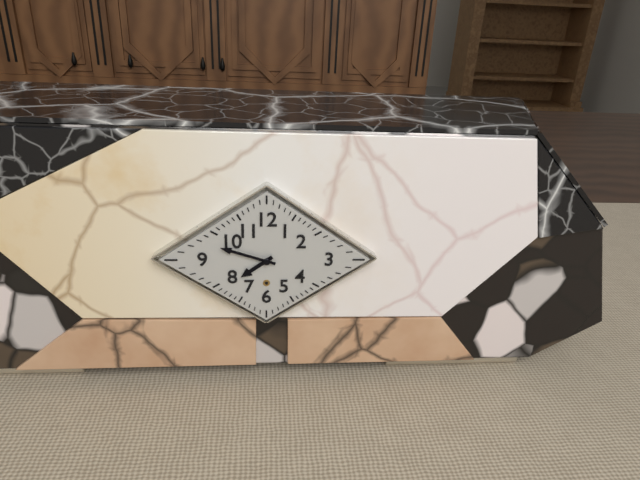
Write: 7h48
